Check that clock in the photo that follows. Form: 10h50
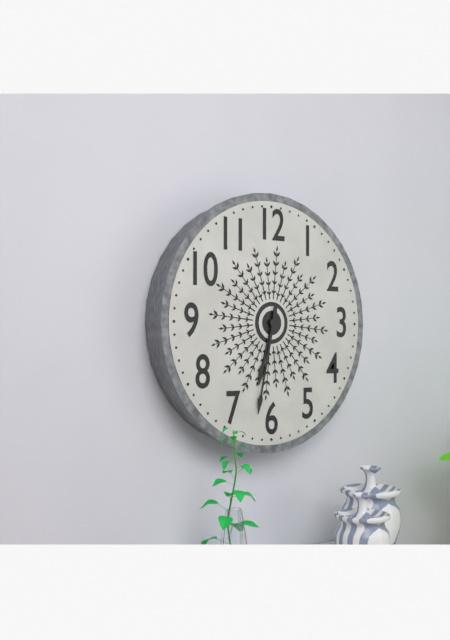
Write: 6h32
